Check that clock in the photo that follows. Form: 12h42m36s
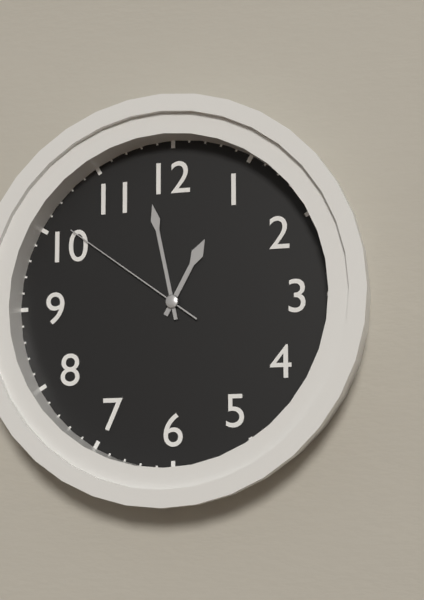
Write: 12h58m51s
